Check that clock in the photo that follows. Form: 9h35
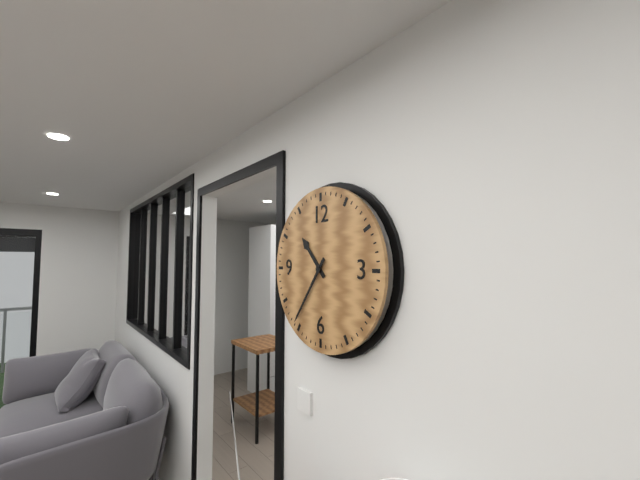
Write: 10h36
